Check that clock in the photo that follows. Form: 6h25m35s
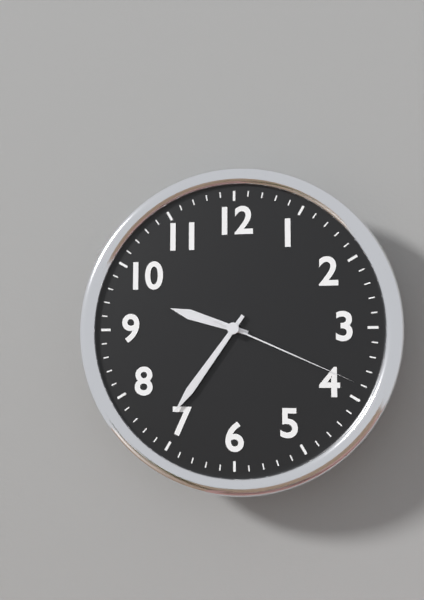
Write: 9h36m19s
